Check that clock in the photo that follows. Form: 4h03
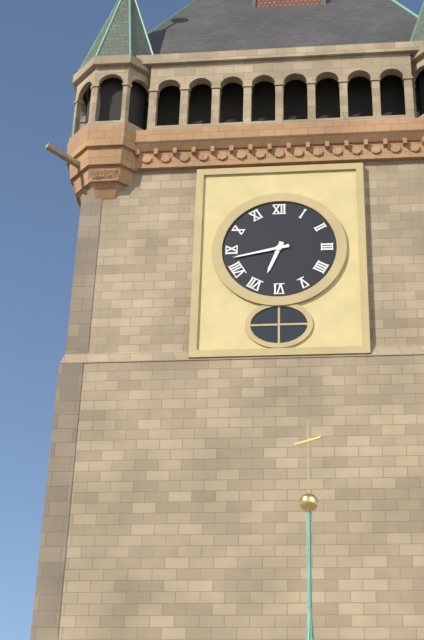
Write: 6h43
